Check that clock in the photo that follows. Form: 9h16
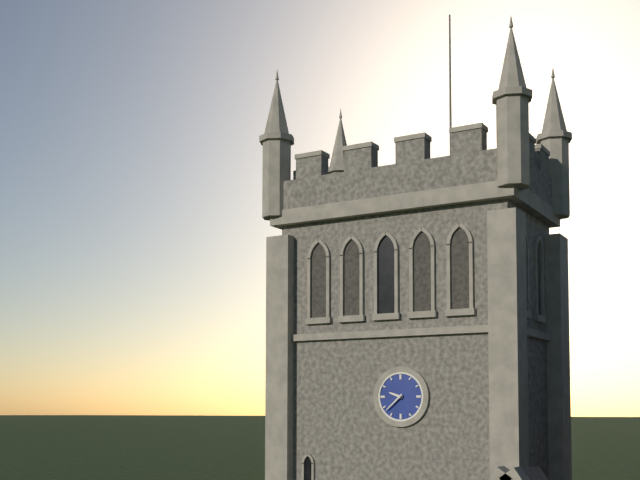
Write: 9h38
